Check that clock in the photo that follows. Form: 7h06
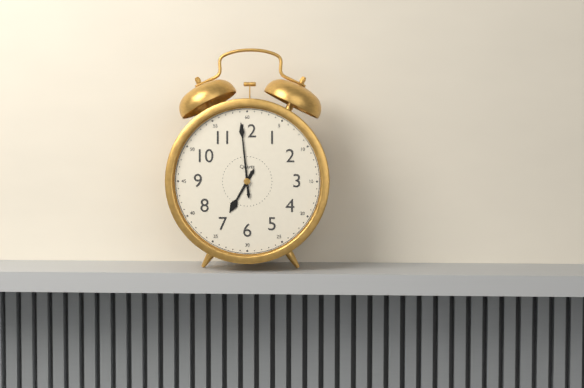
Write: 6h59
